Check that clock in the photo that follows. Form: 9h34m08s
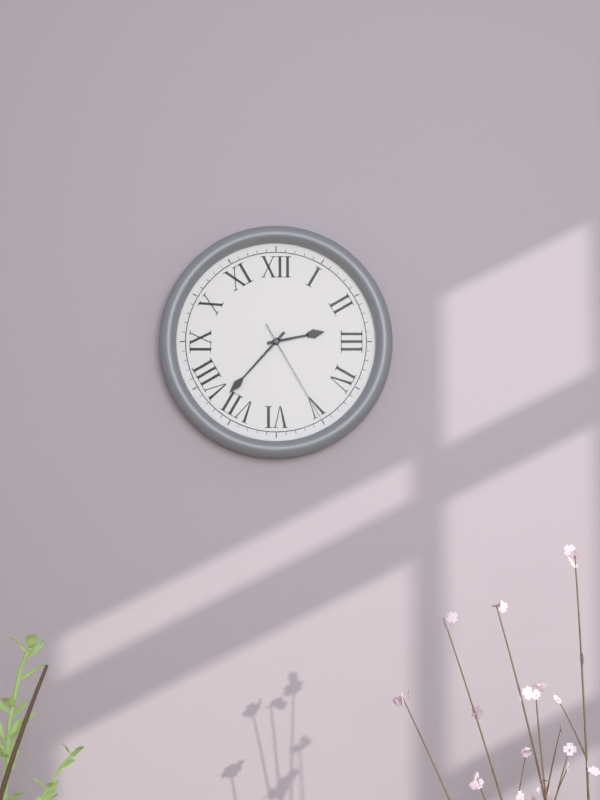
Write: 2h37m25s
